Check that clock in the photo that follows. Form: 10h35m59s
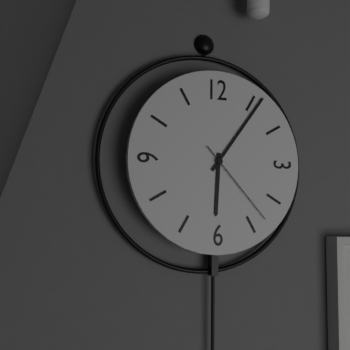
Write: 6h06m23s
